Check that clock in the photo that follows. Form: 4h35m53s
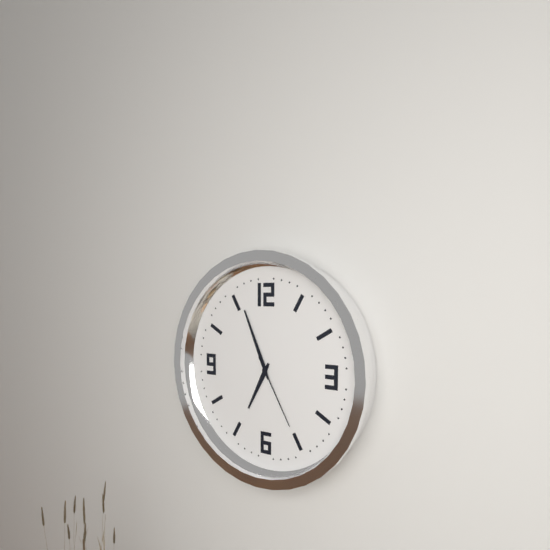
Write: 6h56m25s
